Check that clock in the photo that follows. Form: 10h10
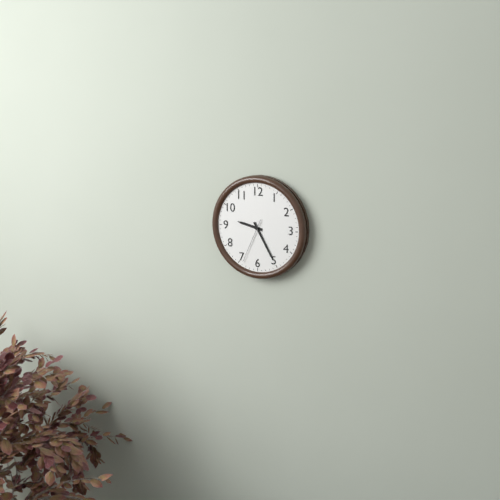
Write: 9h25
